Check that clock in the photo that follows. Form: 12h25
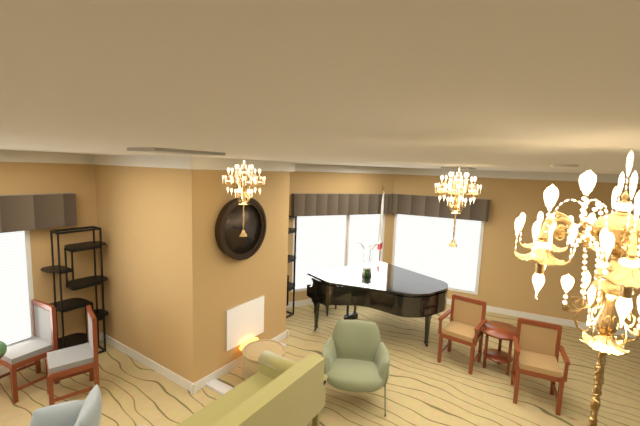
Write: 9h24
